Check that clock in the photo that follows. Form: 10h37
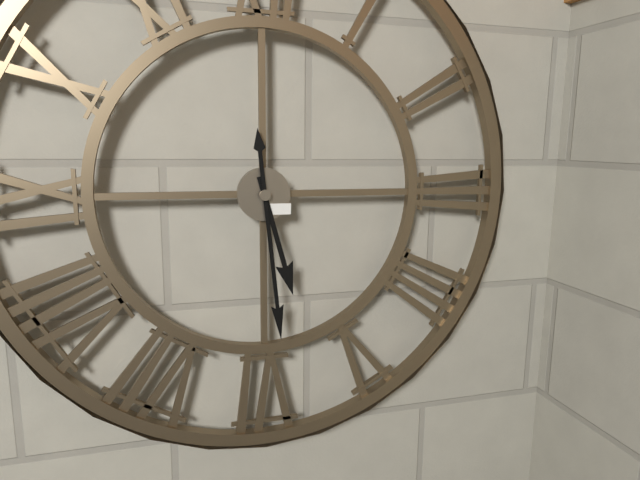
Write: 5h29
